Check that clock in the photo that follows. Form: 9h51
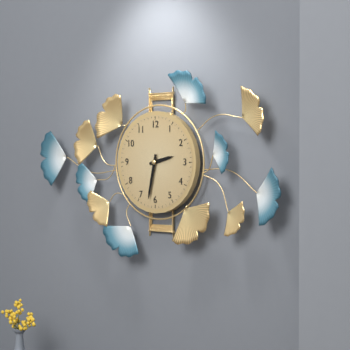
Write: 2h32
